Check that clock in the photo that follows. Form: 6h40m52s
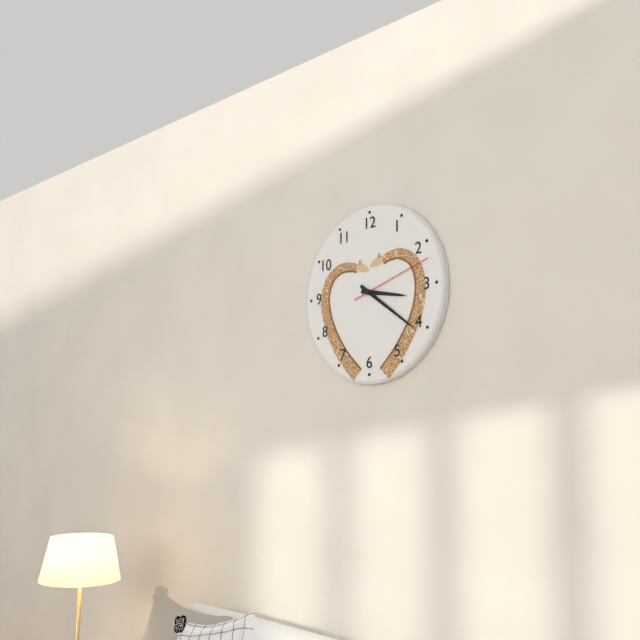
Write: 3h21m12s
